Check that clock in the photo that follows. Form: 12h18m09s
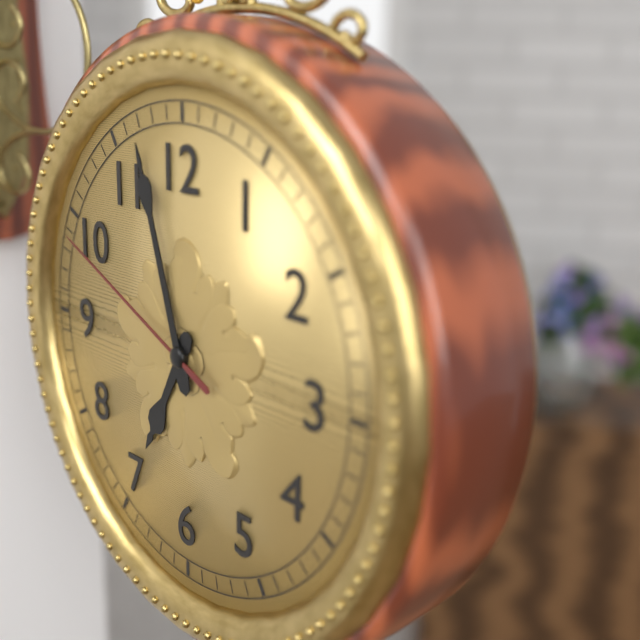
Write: 6h57m49s
